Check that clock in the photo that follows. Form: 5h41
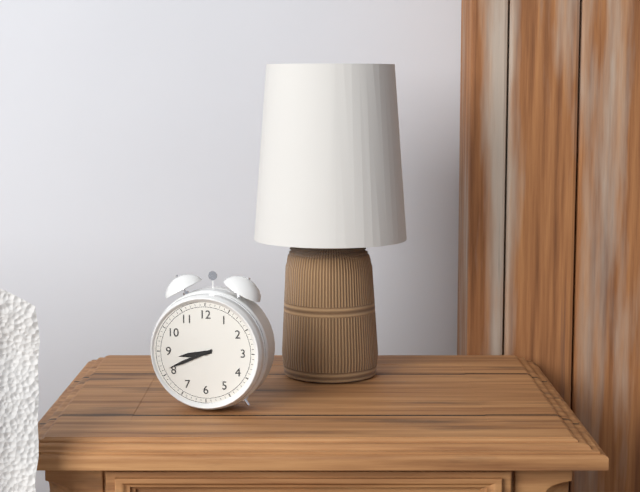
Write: 8h41
